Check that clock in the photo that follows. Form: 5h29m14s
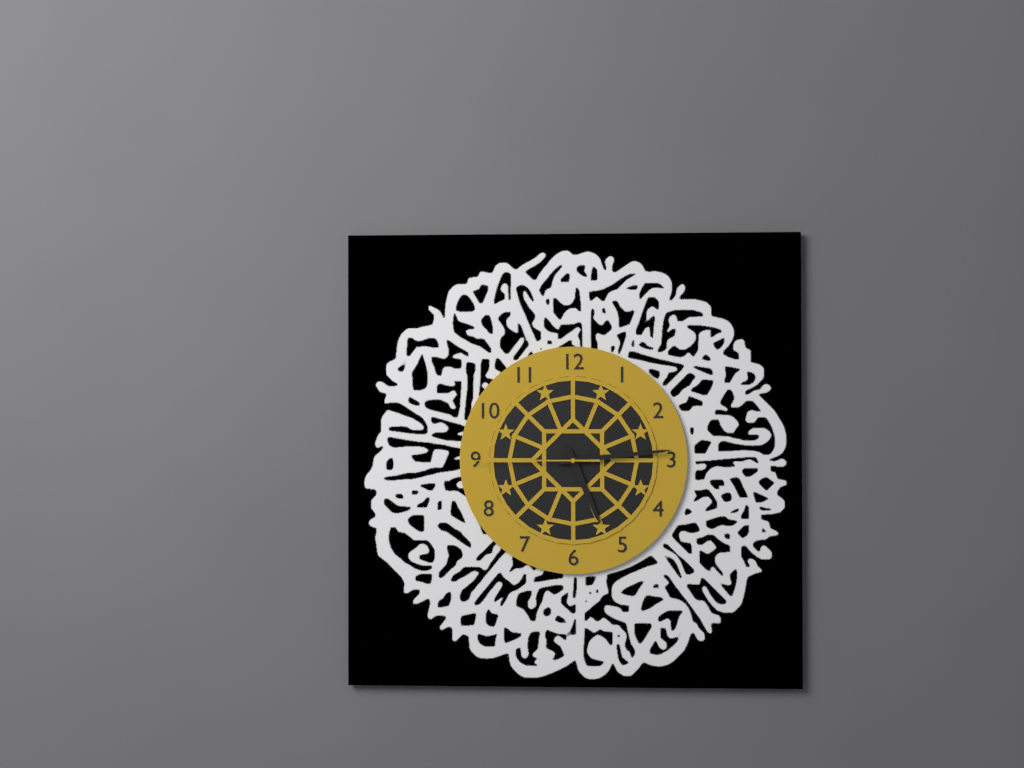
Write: 5h14m45s
